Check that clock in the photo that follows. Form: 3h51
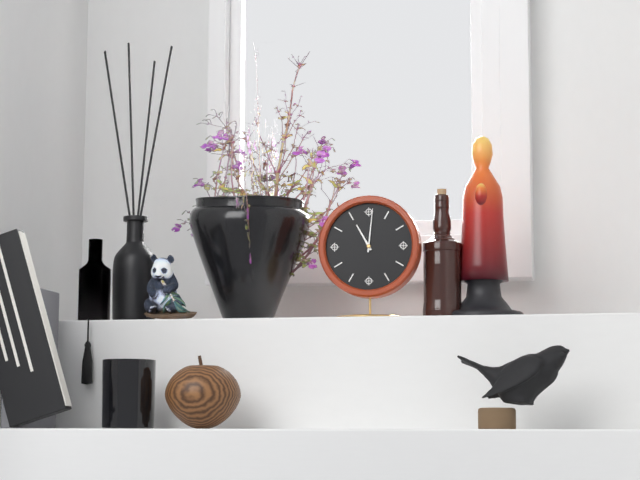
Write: 11h01
